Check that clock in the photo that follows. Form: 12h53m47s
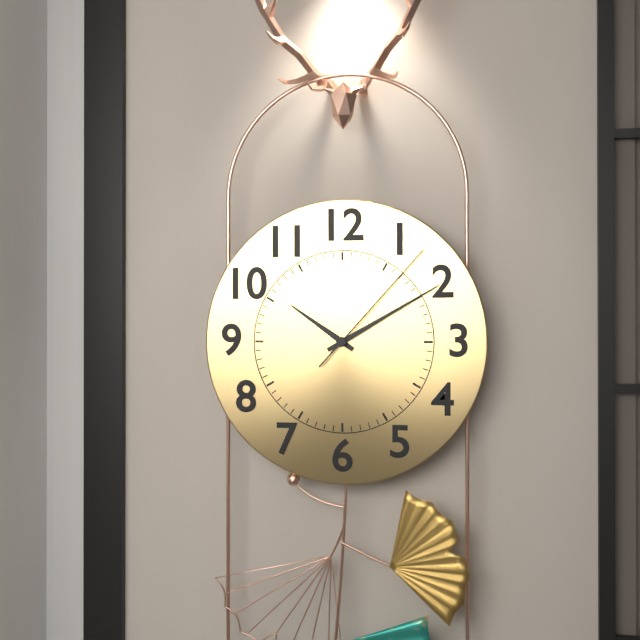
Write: 10h10m07s
